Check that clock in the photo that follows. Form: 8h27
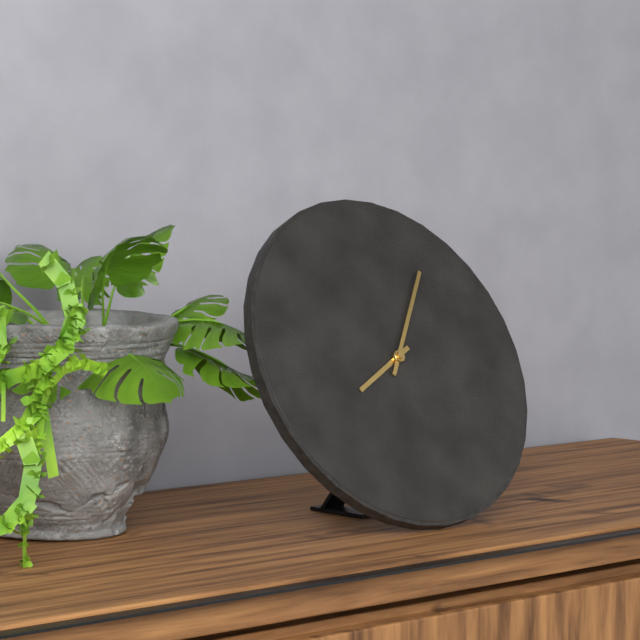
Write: 8h06
